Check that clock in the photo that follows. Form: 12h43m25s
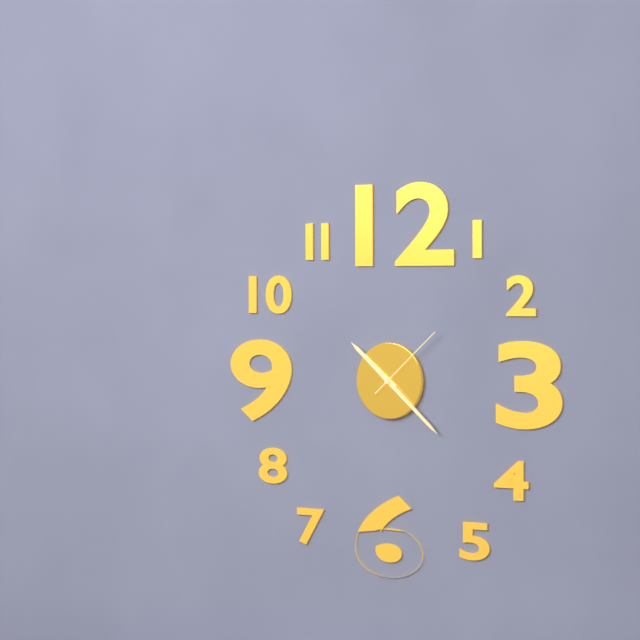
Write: 10h22m08s
